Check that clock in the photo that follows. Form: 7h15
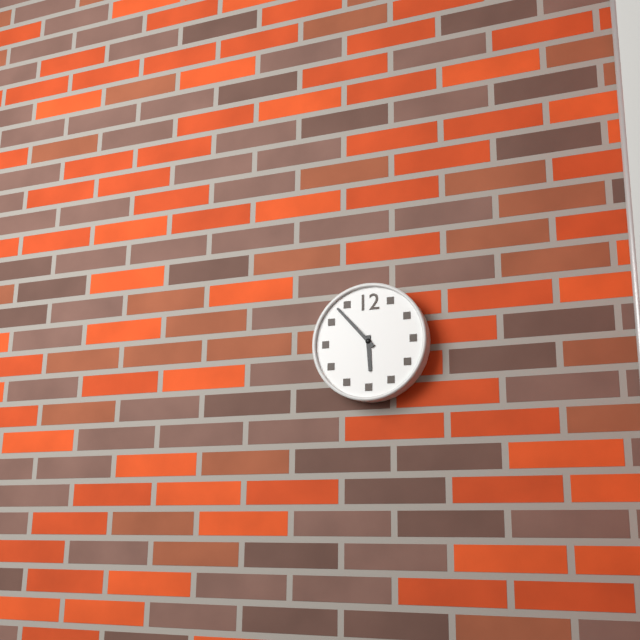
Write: 5h53
